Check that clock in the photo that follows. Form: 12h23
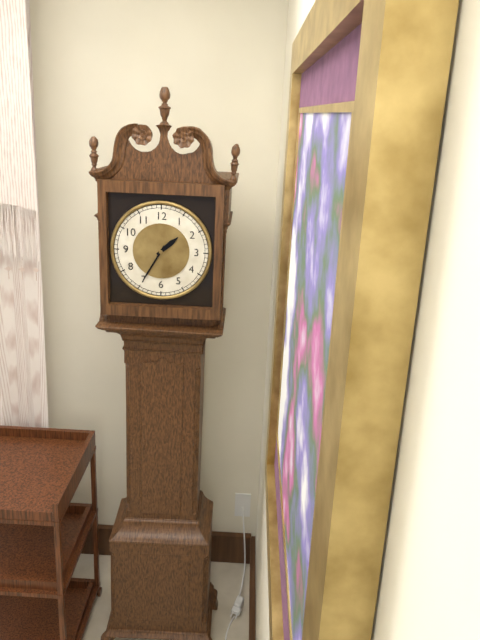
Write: 1h35
